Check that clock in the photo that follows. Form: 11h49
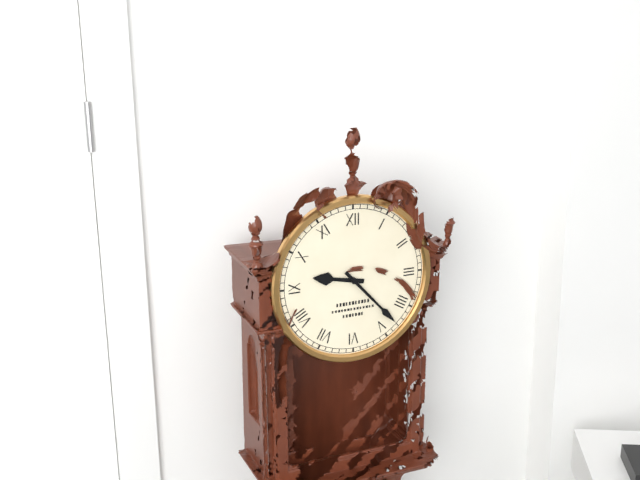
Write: 9h23
